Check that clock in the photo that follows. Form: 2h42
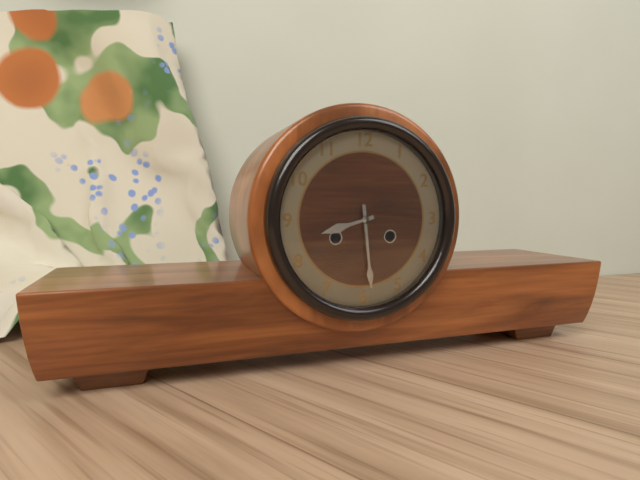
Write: 8h29
